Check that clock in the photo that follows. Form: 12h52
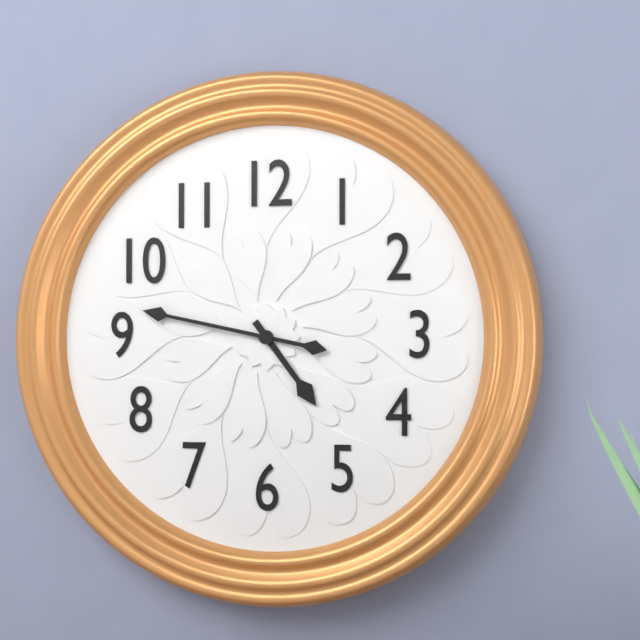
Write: 4h47
